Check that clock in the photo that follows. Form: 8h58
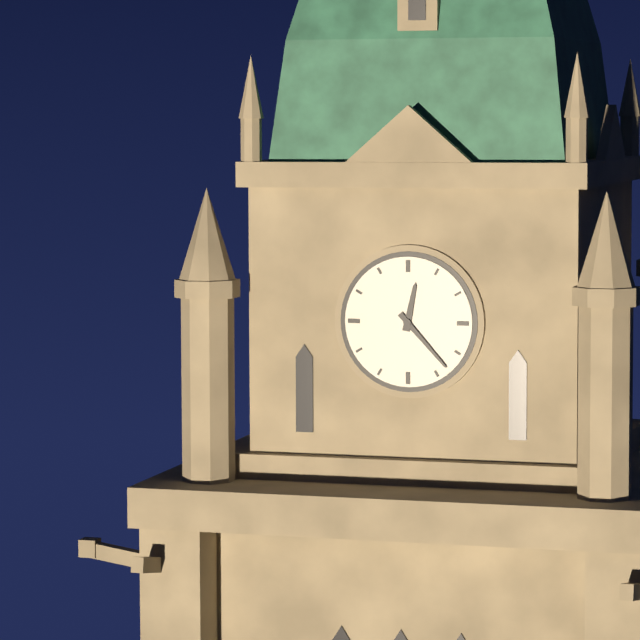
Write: 12h23
